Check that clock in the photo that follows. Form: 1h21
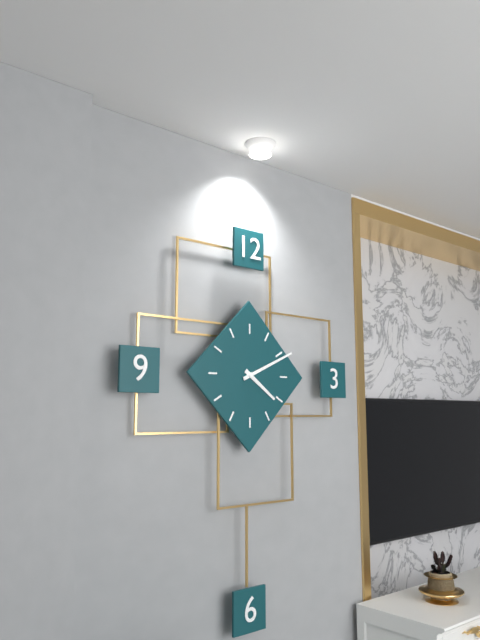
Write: 4h11
